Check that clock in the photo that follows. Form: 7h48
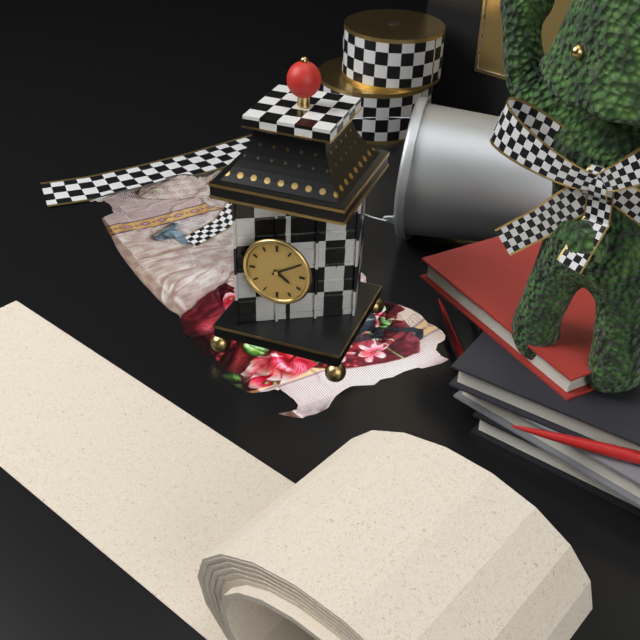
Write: 4h10
